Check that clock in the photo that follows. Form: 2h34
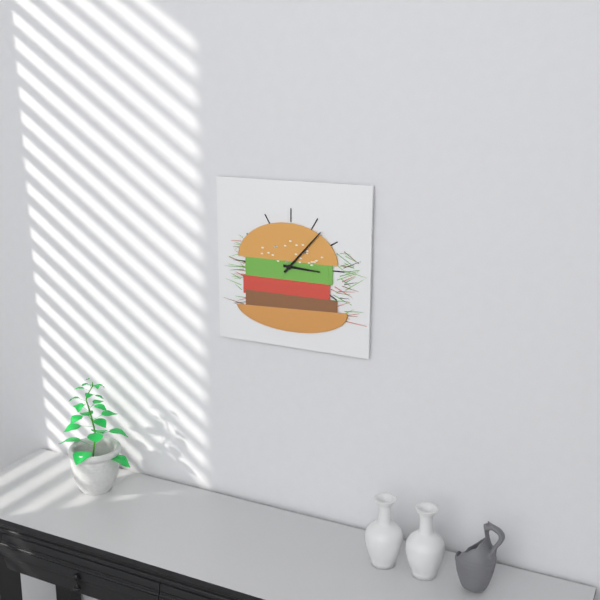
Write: 3h07
